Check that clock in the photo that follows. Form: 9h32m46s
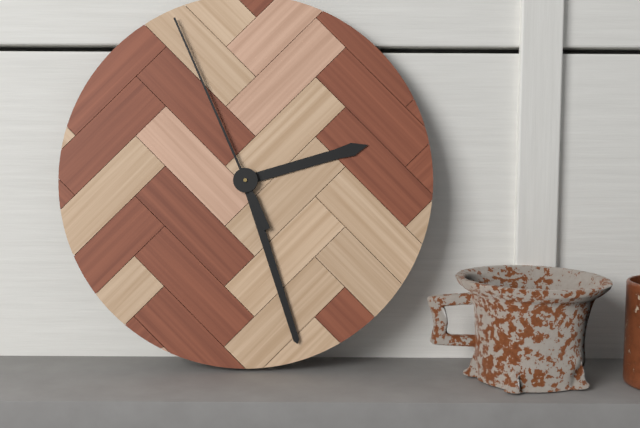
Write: 2h27m56s
